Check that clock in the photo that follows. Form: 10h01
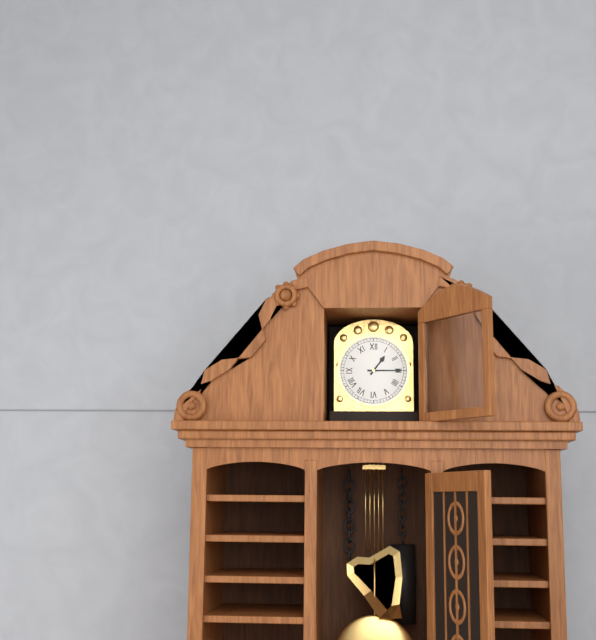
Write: 1h15
